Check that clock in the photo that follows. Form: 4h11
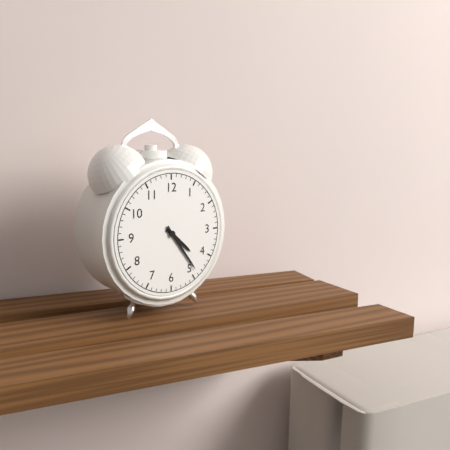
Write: 4h24
